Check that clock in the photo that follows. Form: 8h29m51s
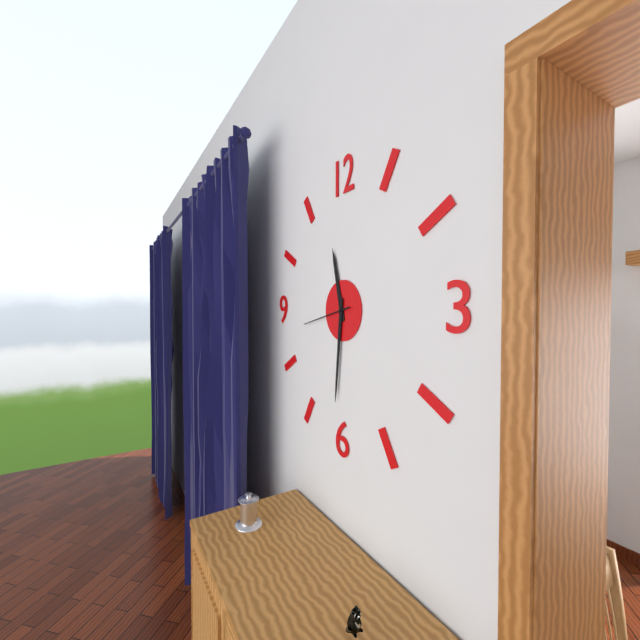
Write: 11h31m43s
